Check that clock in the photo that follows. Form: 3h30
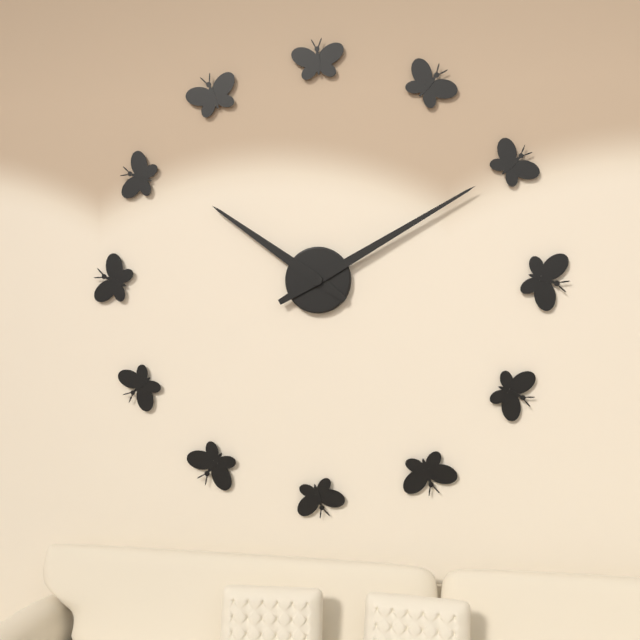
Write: 10h10
